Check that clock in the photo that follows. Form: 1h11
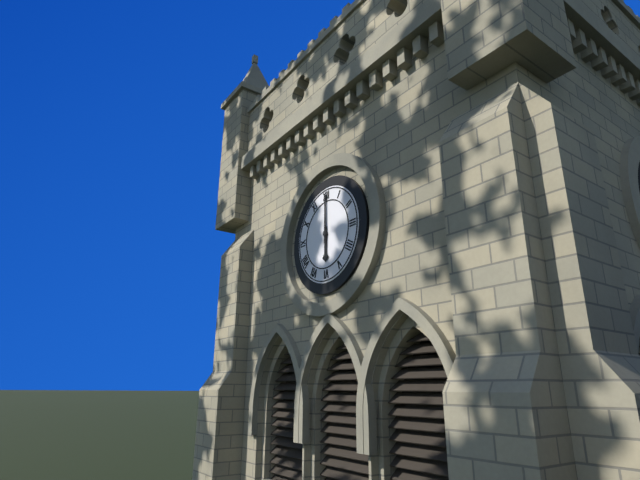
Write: 6h00
